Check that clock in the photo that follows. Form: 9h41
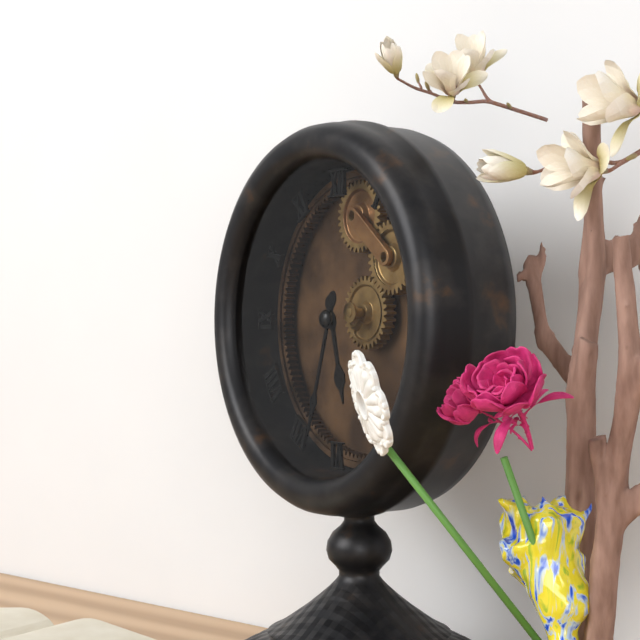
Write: 5h33
